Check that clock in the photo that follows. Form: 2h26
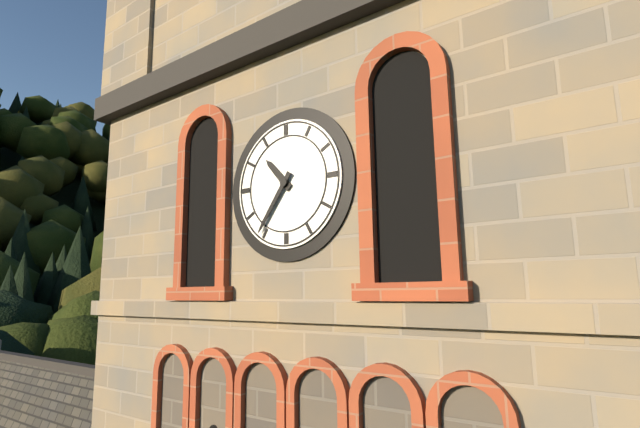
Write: 10h36
